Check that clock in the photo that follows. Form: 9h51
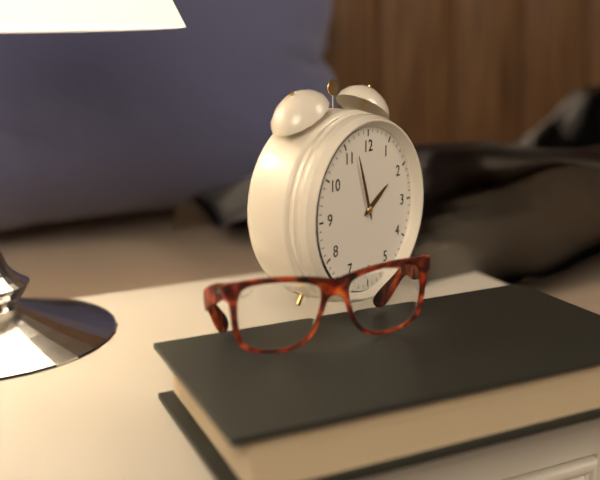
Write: 1h57
